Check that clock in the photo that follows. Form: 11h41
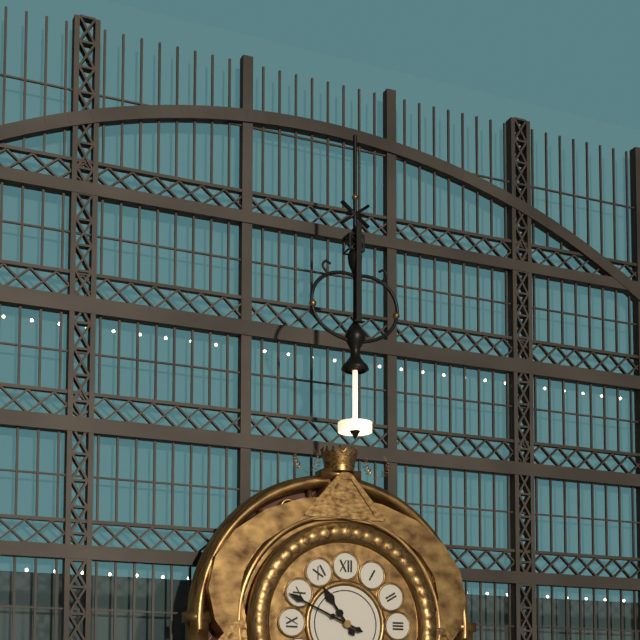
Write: 10h49
